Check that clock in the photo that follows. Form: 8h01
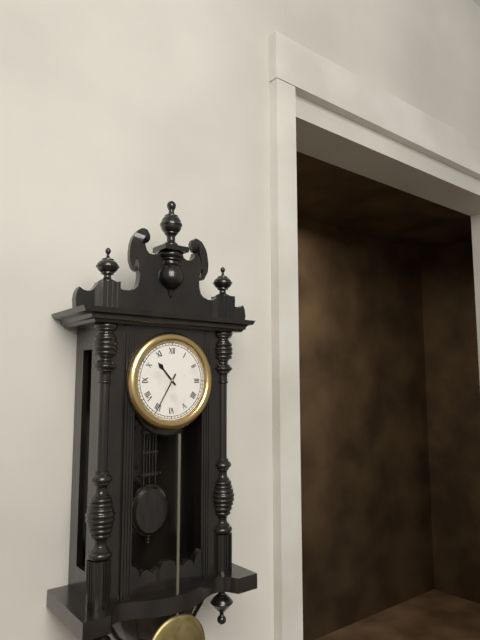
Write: 10h35
